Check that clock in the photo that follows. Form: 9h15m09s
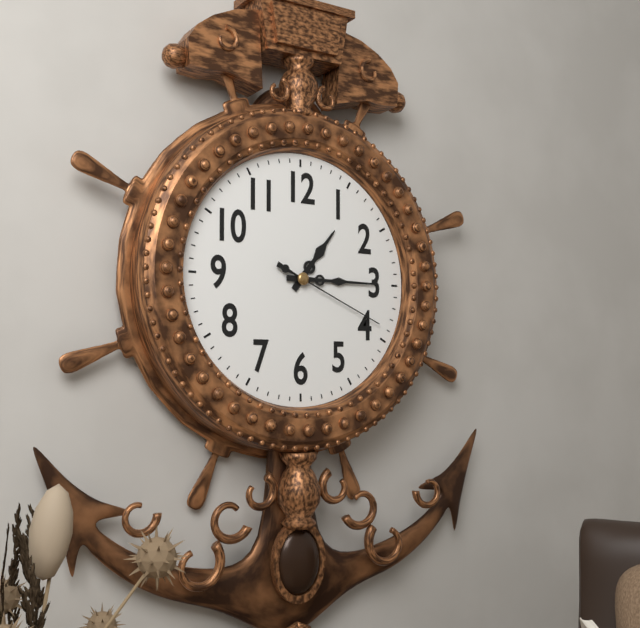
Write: 1h15m19s
